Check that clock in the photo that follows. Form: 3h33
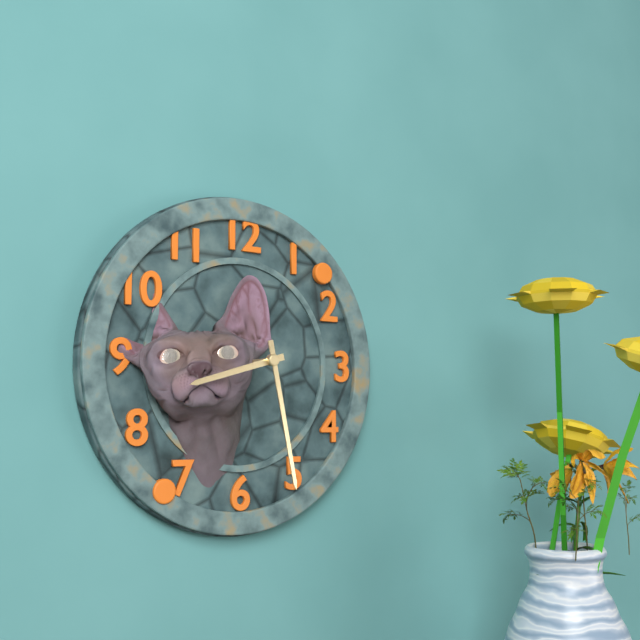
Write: 8h28
